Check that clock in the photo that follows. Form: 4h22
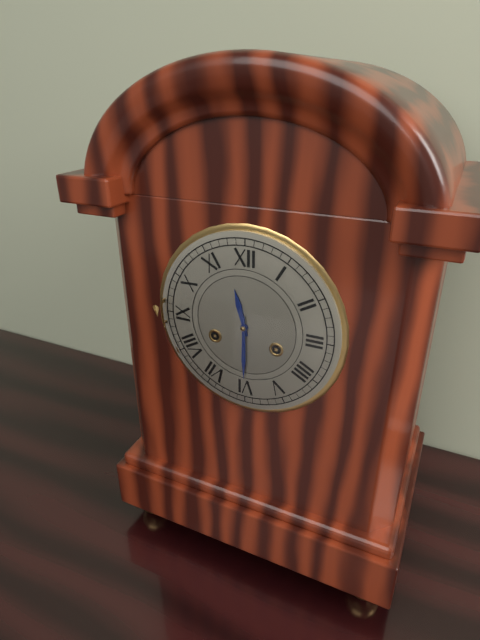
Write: 11h30
